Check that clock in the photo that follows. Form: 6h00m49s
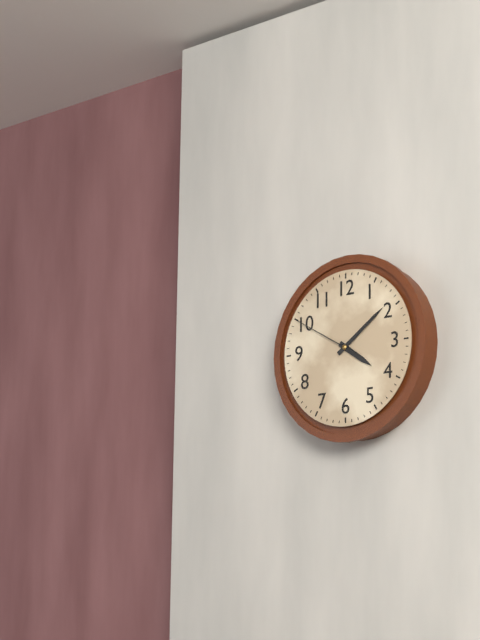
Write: 4h09m50s
